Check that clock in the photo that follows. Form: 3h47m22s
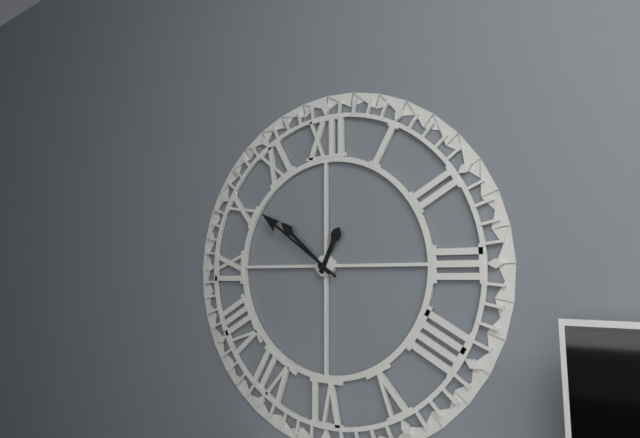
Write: 12h51m52s
